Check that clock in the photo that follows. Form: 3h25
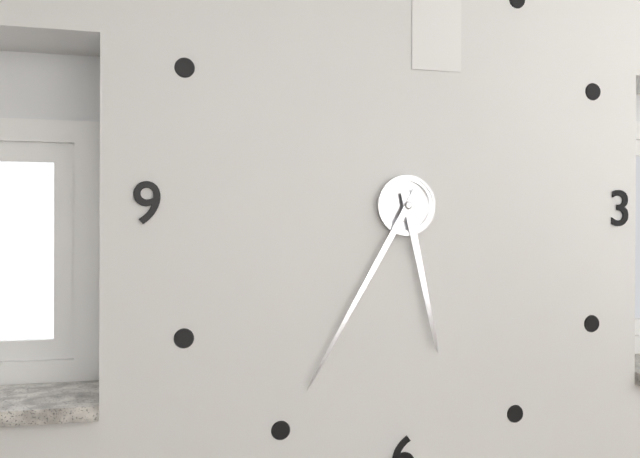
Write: 5h35
